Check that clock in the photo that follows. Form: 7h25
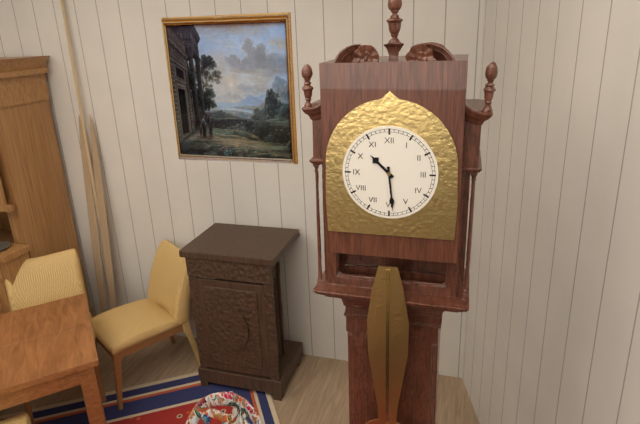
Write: 10h29
